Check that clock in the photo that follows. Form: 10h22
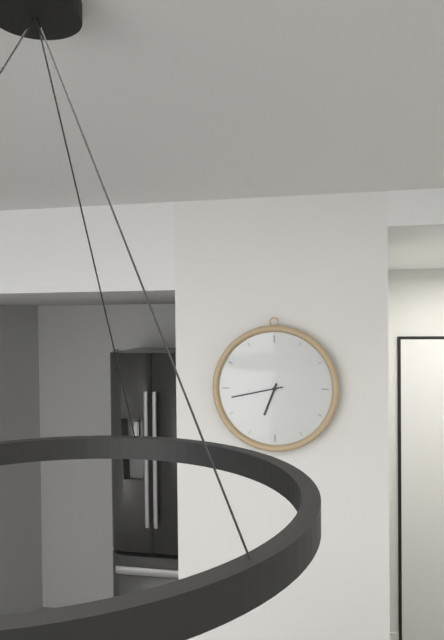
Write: 6h43
